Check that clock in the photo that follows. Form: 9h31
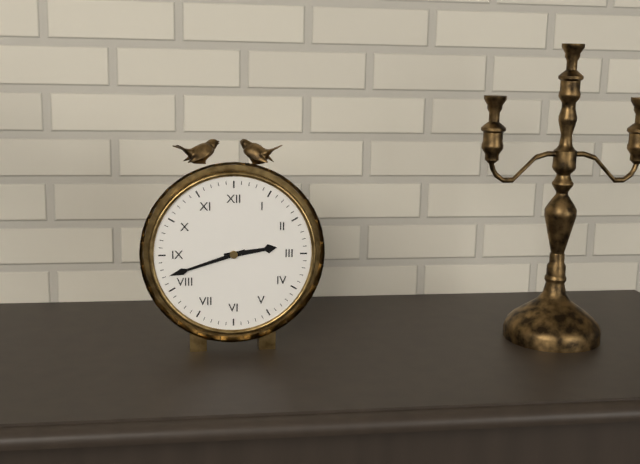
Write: 2h42
